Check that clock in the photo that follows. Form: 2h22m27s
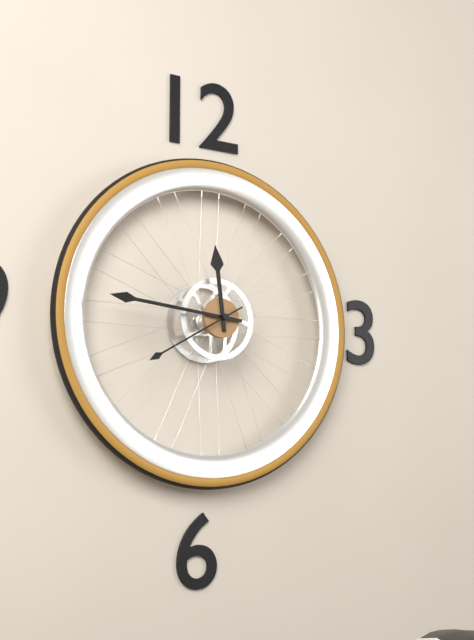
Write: 11h46m40s
